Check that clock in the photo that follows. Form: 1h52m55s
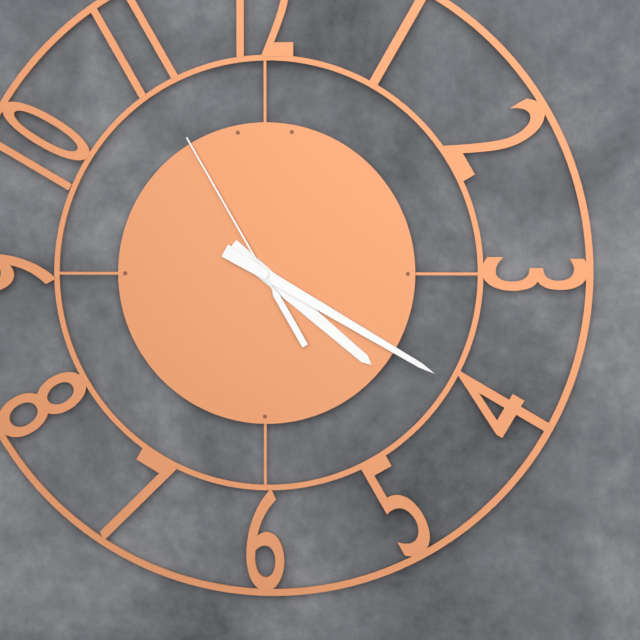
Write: 4h20m55s
